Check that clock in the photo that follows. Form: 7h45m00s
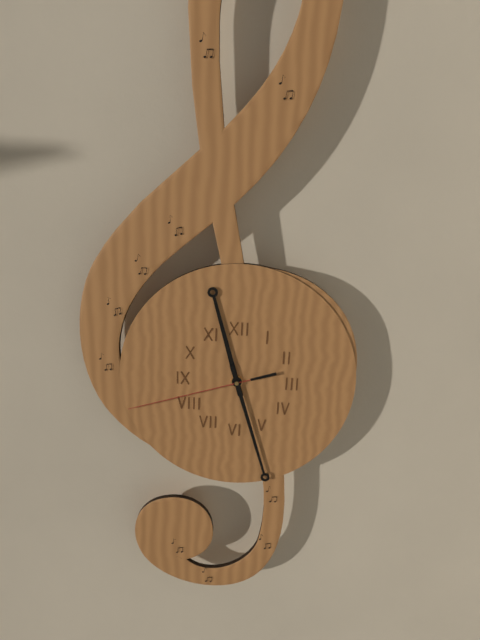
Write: 11h27m42s
